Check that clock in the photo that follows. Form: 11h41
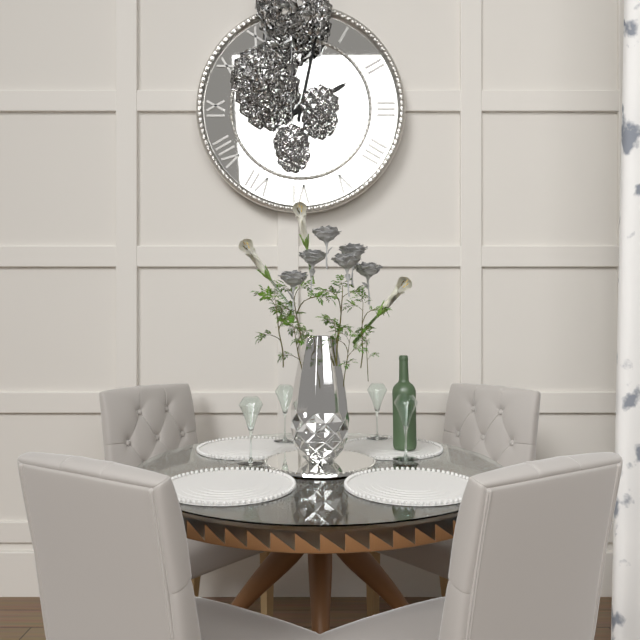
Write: 2h02
